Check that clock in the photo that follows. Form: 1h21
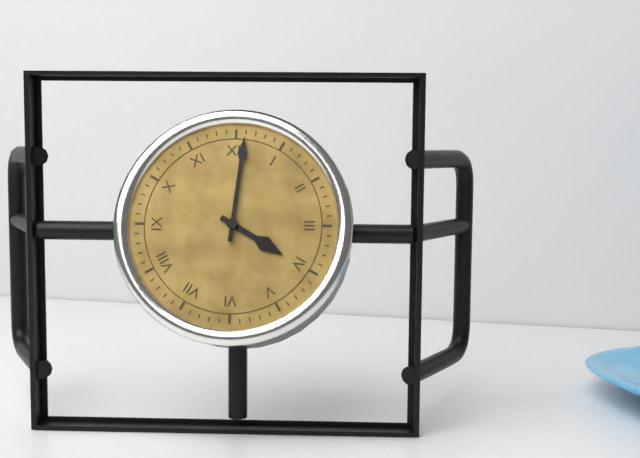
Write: 4h01
